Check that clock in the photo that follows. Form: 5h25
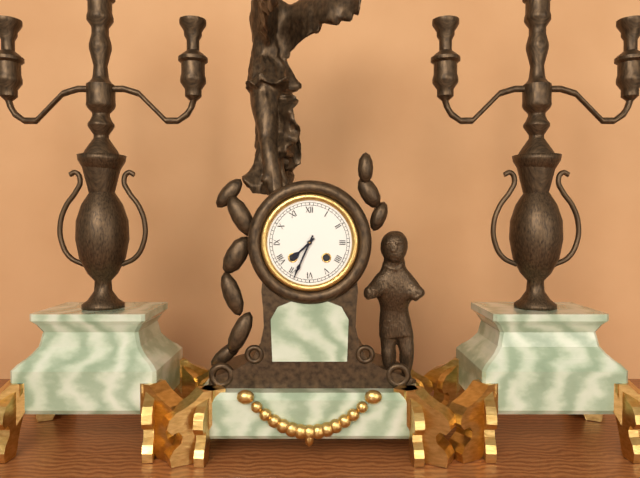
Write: 7h34
